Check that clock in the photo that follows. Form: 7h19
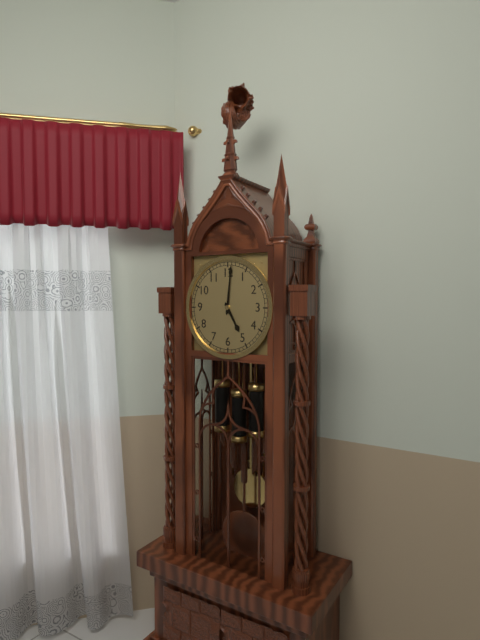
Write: 5h01
